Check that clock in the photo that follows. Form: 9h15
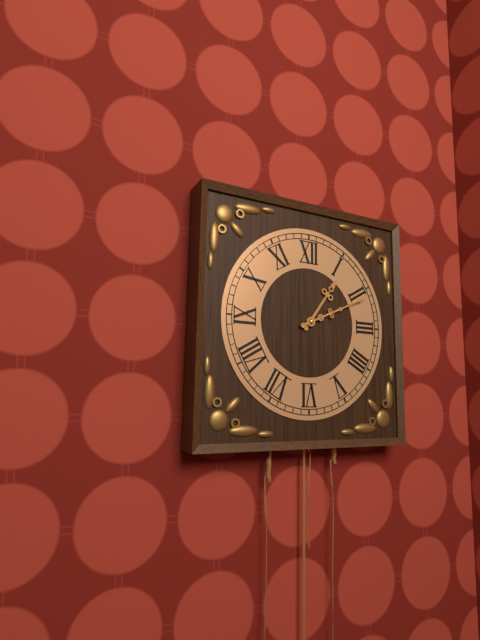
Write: 1h11
